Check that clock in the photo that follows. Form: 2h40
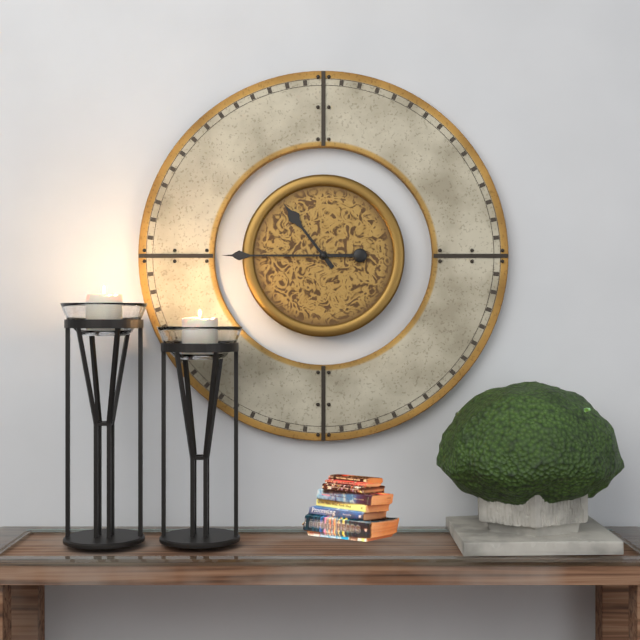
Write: 10h45
